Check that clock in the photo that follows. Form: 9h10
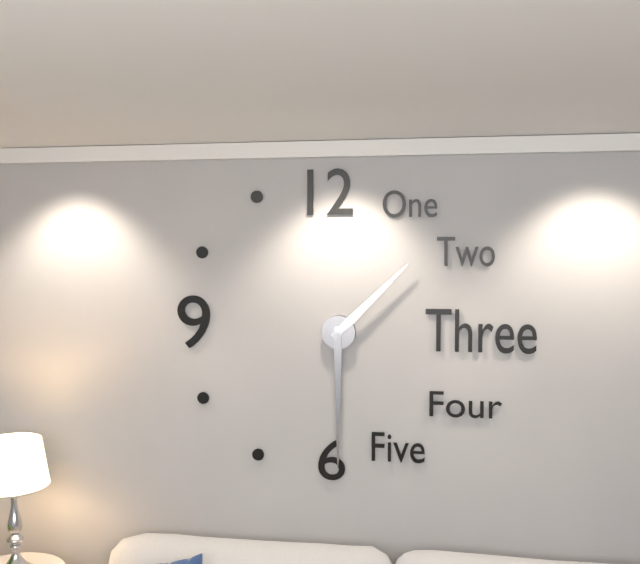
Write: 1h30
